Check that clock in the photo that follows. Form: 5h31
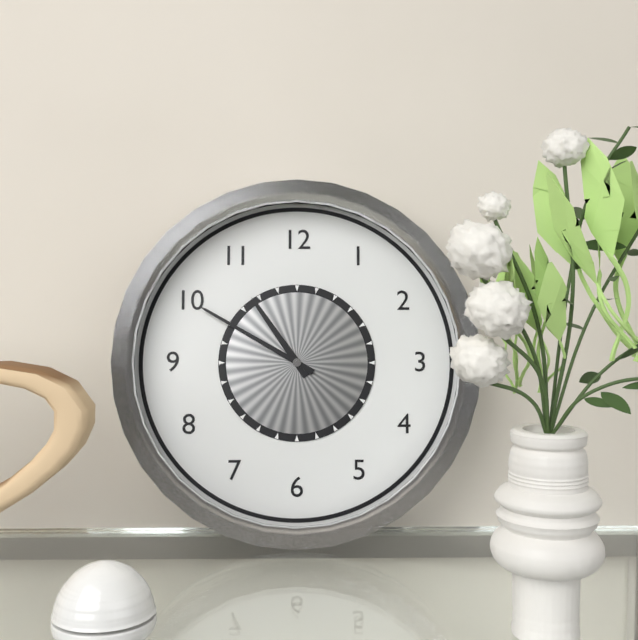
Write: 10h50
